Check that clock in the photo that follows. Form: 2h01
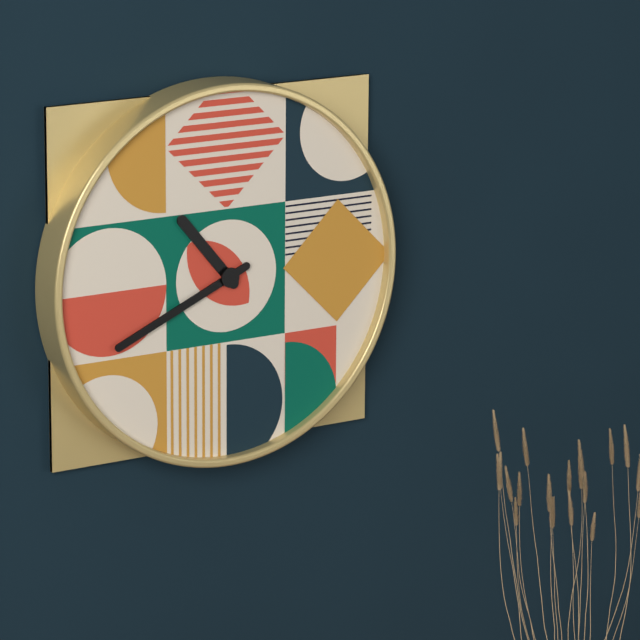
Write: 10h41
